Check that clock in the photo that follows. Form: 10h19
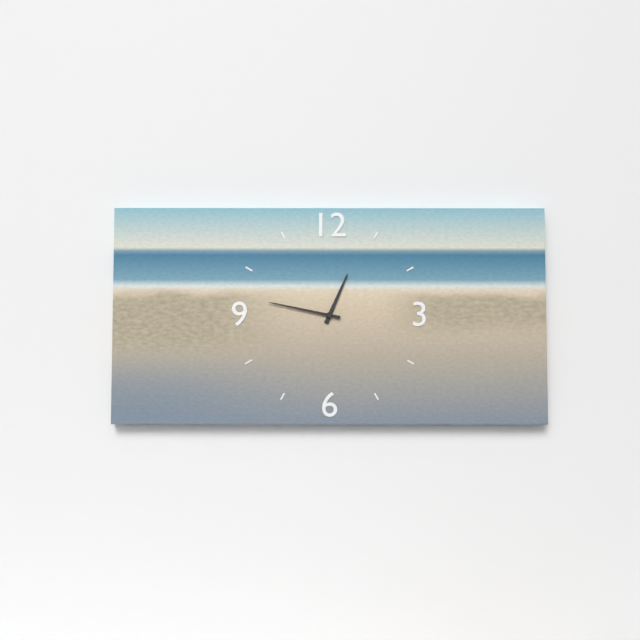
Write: 12h47
